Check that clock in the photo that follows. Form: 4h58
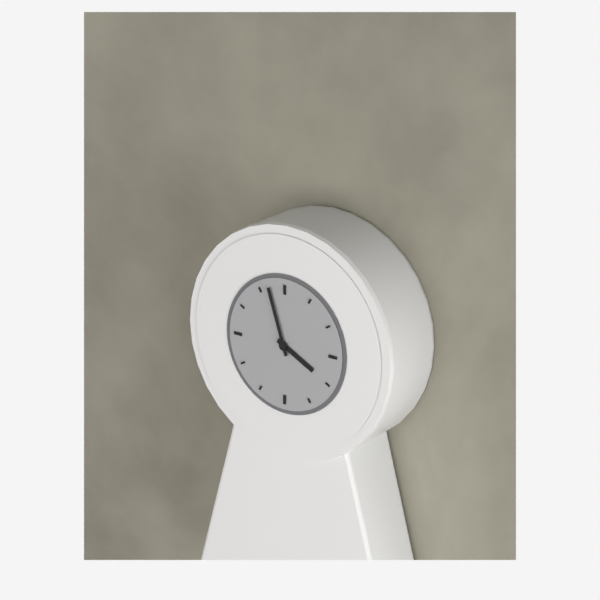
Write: 3h57
